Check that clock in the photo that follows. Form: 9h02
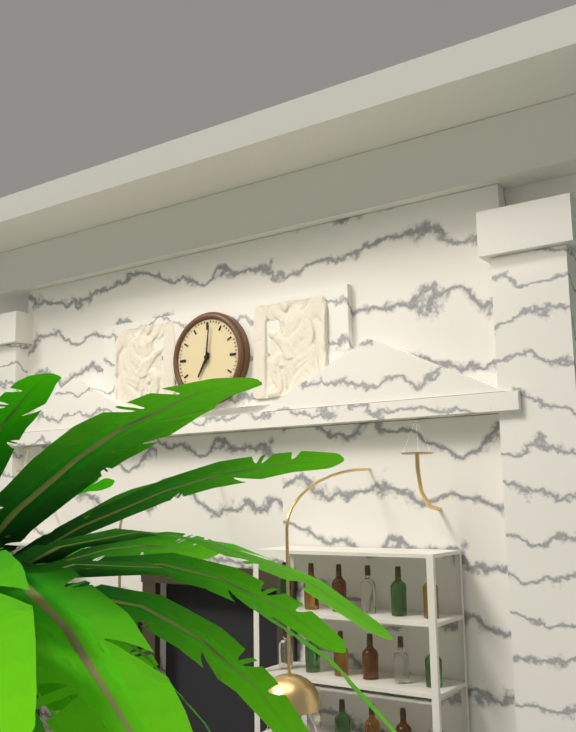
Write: 7h01
